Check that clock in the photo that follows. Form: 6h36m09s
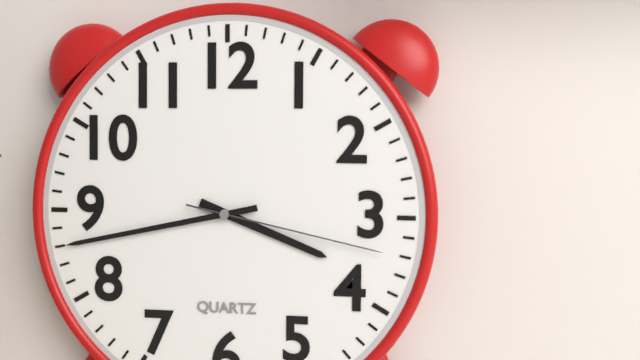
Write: 3h43m17s
